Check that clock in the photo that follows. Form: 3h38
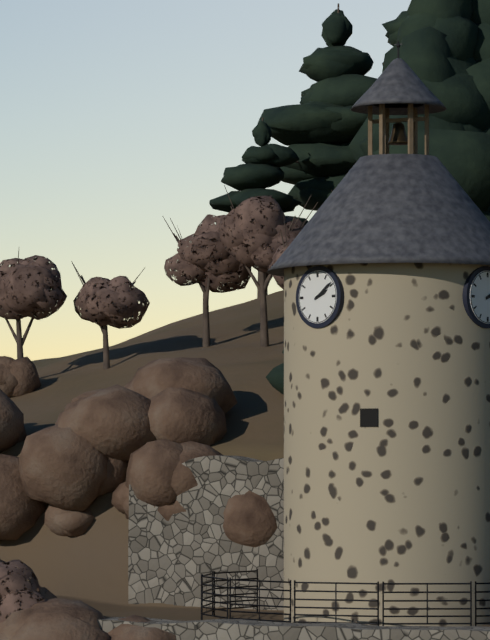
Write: 2h09
